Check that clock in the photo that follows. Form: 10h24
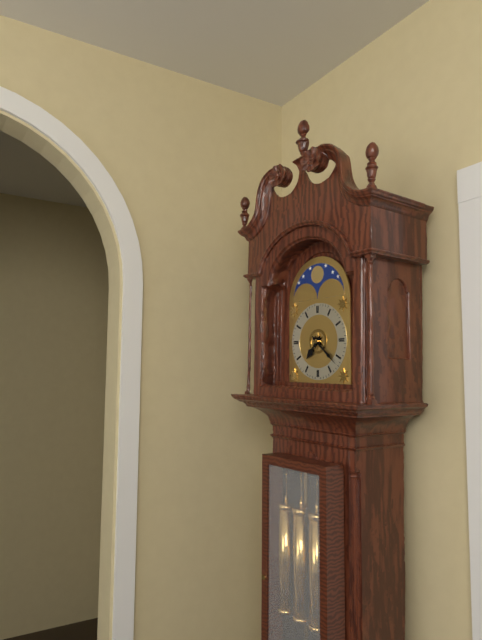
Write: 7h22
